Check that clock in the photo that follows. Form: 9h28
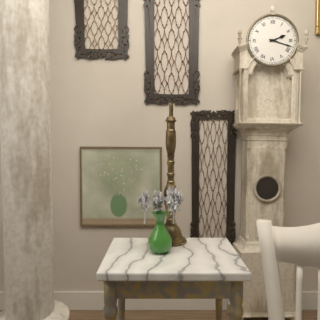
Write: 2h18
